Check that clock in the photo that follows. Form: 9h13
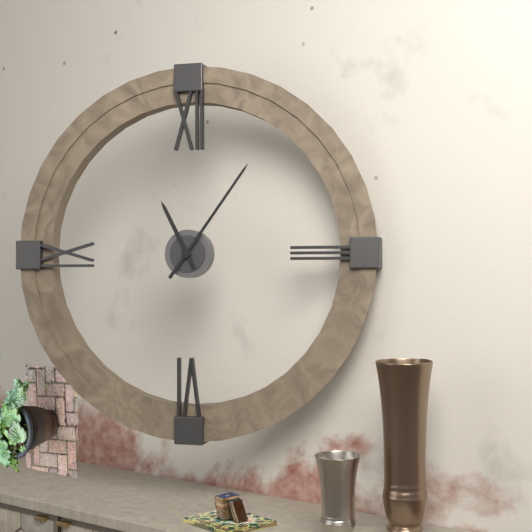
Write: 11h06
